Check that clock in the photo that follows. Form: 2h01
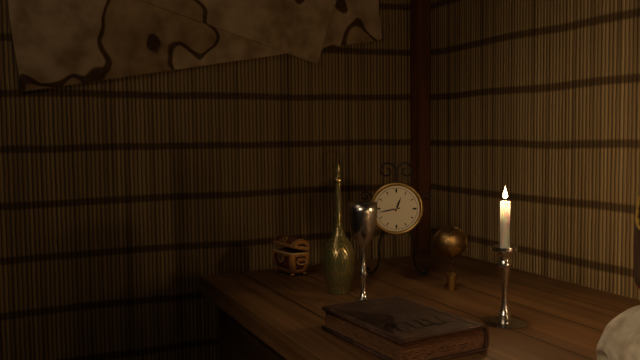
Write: 12h43
